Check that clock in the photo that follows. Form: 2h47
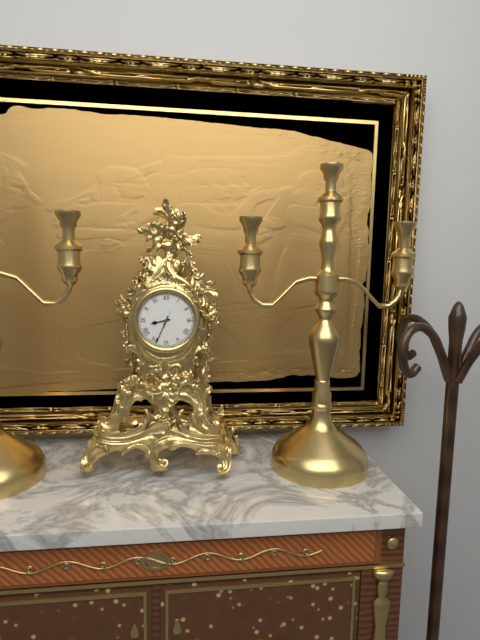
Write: 8h34
